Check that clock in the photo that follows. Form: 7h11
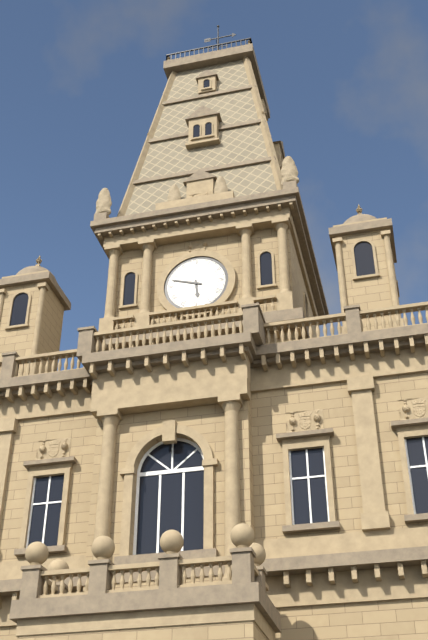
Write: 5h48
